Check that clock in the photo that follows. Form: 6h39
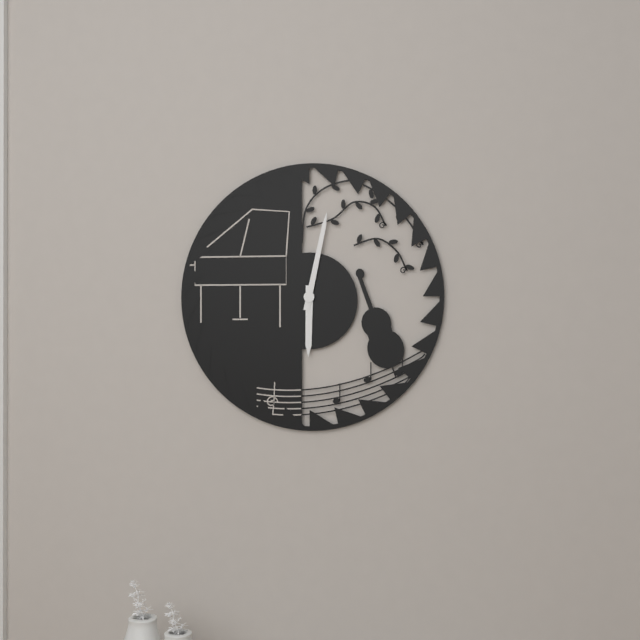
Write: 6h02
